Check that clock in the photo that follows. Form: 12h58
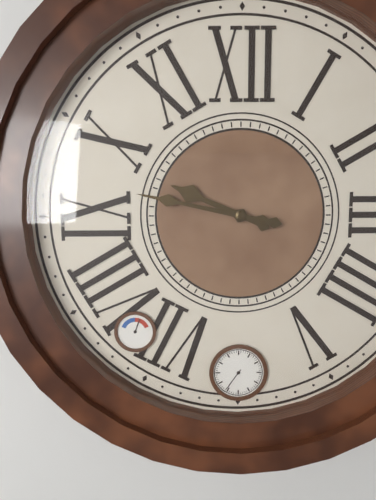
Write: 9h47
